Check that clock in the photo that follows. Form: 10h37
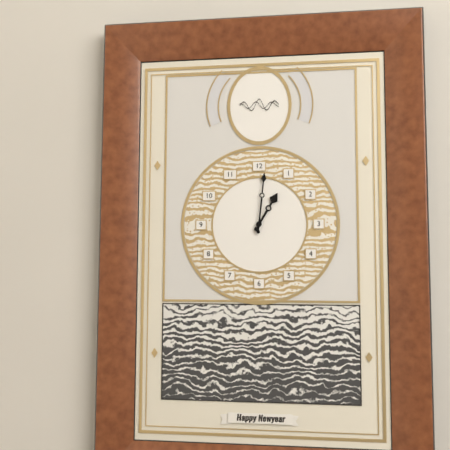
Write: 1h01
